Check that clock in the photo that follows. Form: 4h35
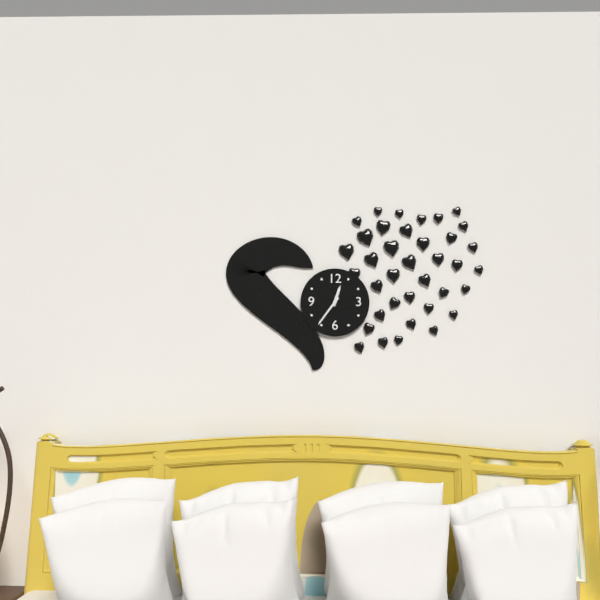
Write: 12h36
